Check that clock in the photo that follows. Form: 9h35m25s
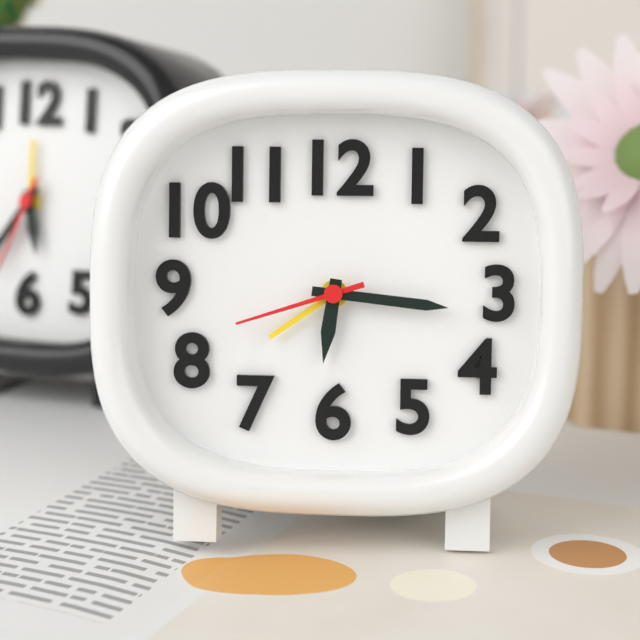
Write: 6h16m42s
